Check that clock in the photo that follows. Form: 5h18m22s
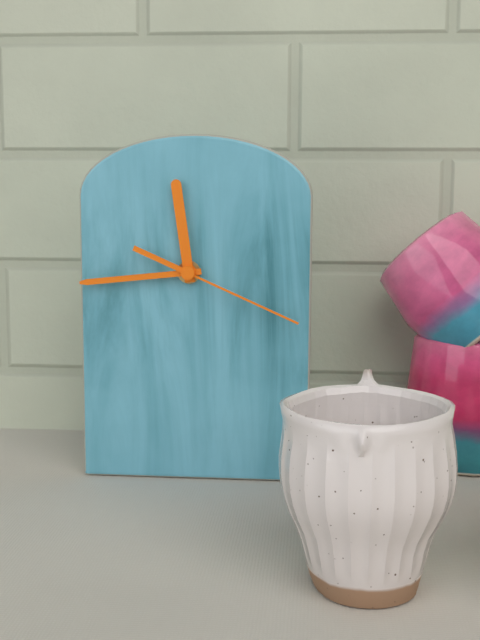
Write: 11h44m19s
